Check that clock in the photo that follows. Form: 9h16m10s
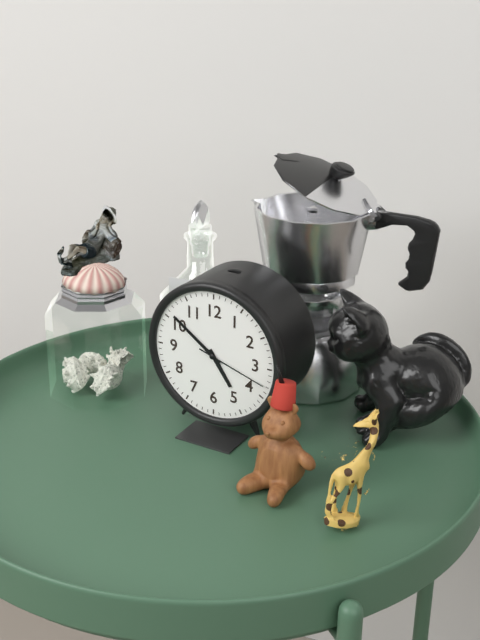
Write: 4h51m18s
